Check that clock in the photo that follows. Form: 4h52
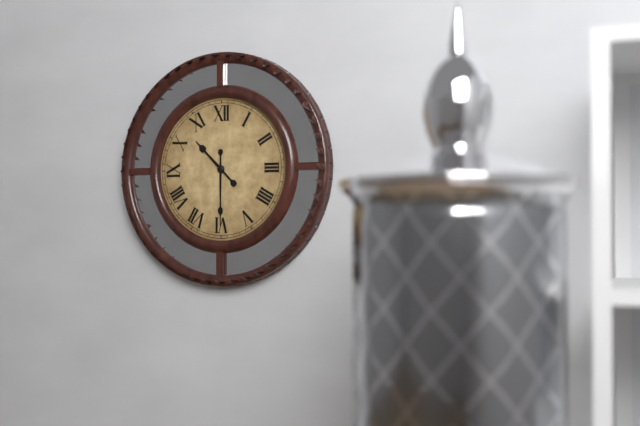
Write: 10h30
